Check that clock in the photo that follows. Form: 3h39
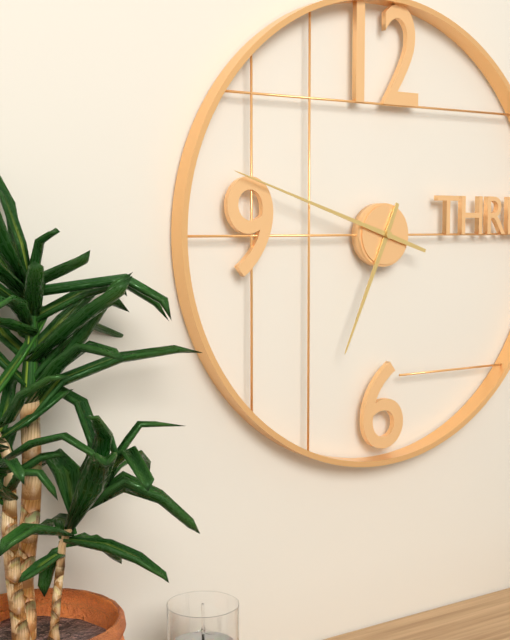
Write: 6h48
